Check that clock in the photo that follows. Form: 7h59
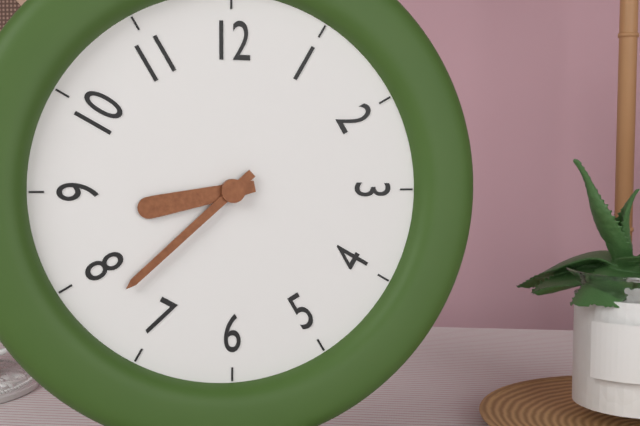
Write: 8h38
